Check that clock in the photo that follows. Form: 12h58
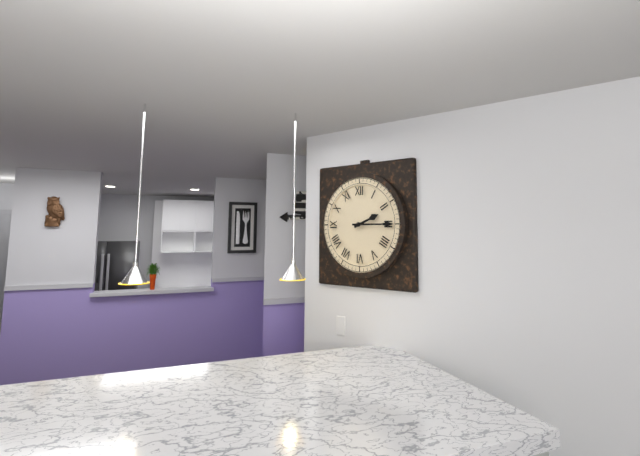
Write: 2h15
